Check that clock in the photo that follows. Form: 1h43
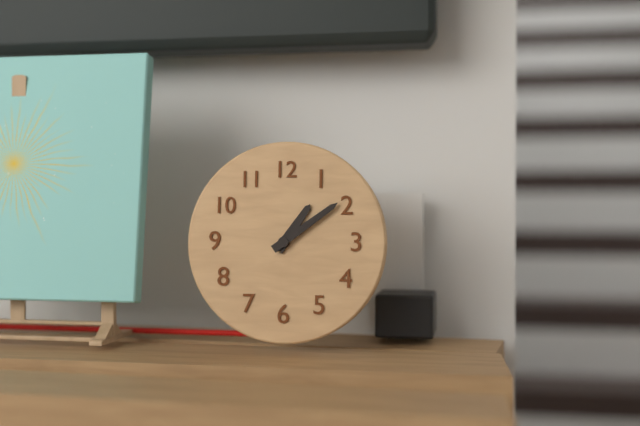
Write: 1h09
